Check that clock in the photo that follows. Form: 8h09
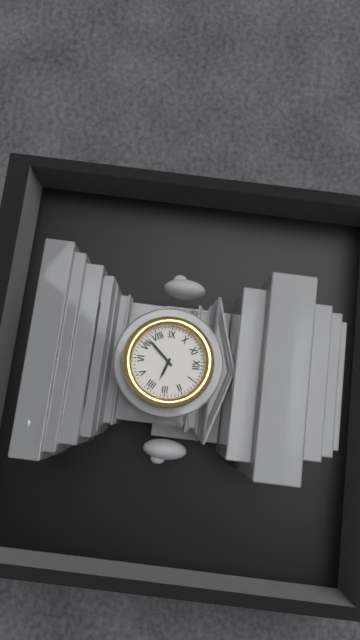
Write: 3h37
